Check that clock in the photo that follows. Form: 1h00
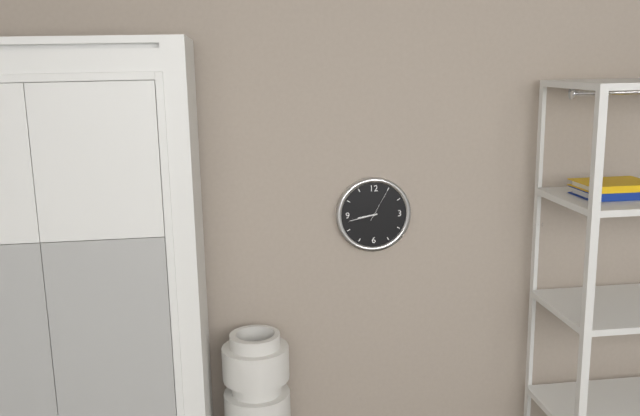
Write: 8h43
